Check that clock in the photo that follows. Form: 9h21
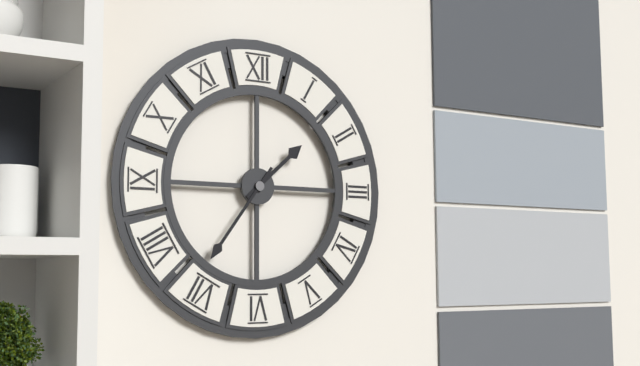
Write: 1h36
